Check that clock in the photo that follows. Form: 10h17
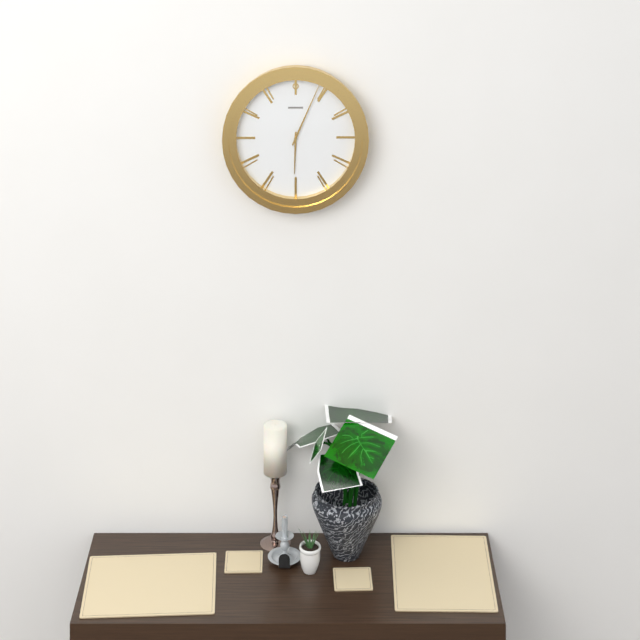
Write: 6h04
